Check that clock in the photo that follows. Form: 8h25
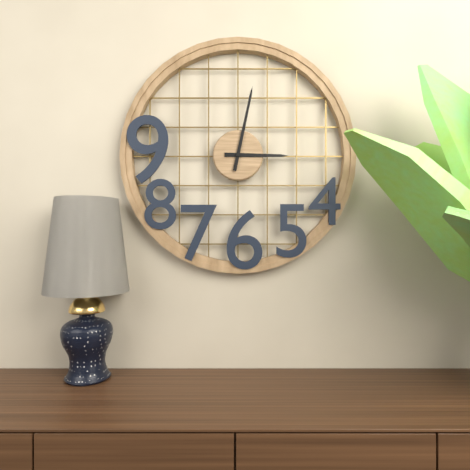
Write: 3h02
